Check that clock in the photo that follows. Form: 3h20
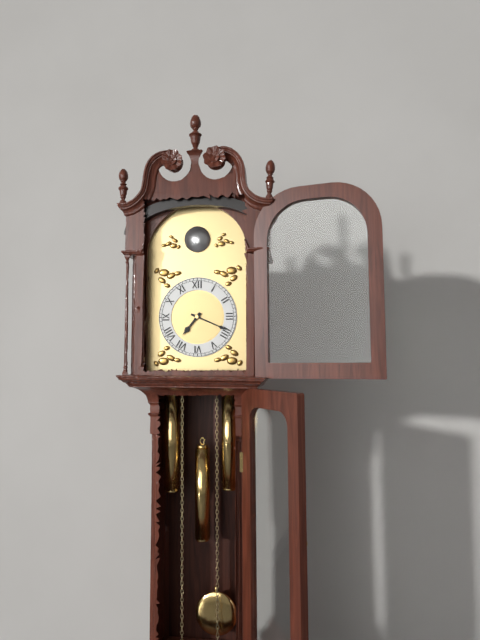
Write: 7h19
